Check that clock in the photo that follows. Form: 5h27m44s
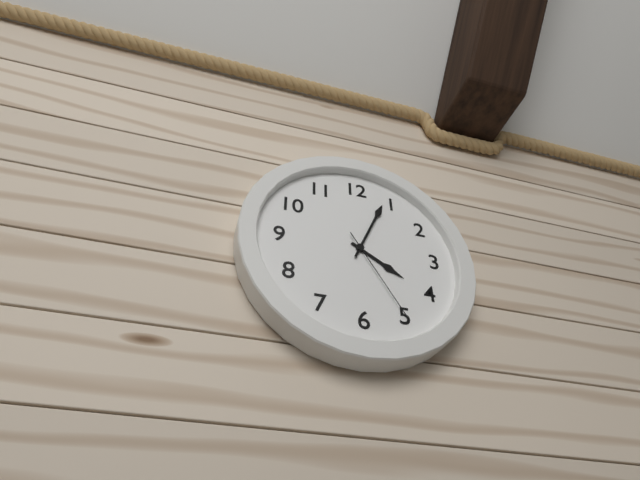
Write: 4h04m25s
